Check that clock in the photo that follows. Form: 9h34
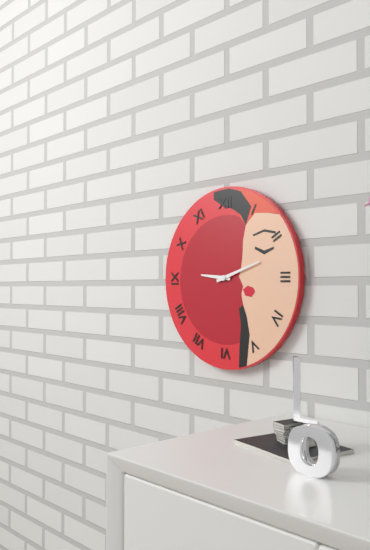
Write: 9h12
